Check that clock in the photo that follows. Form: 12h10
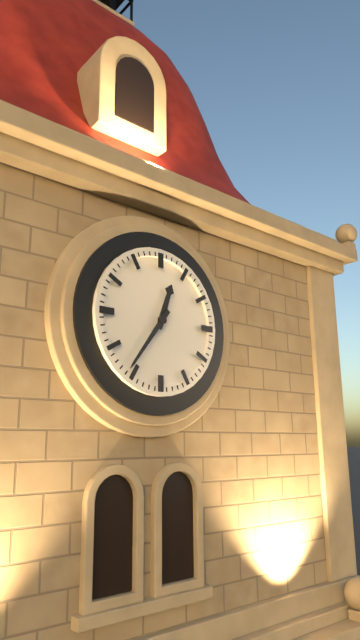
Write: 12h36
